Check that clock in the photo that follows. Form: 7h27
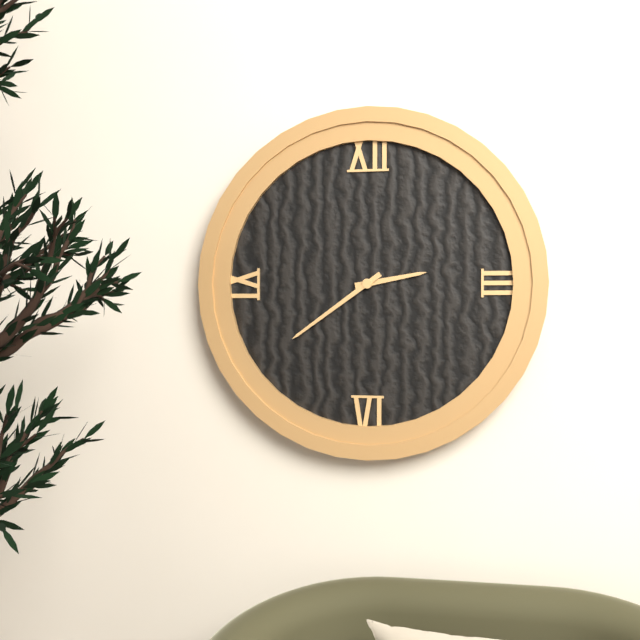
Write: 2h39
